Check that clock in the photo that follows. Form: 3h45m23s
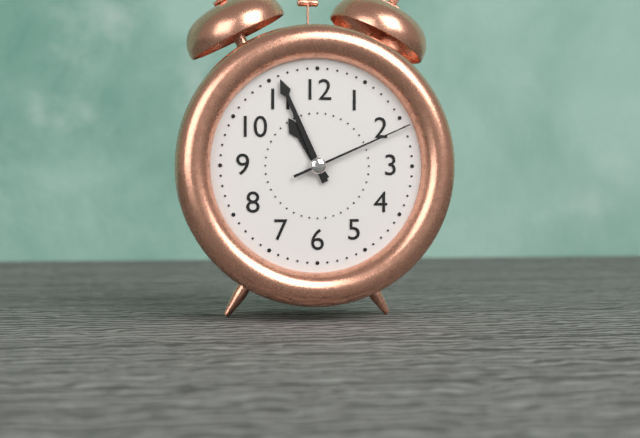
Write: 10h56m11s
